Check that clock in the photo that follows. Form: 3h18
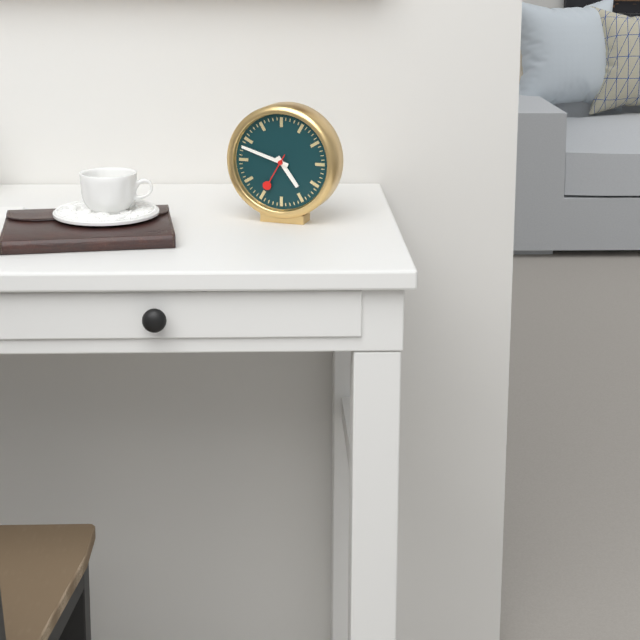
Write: 4h48
